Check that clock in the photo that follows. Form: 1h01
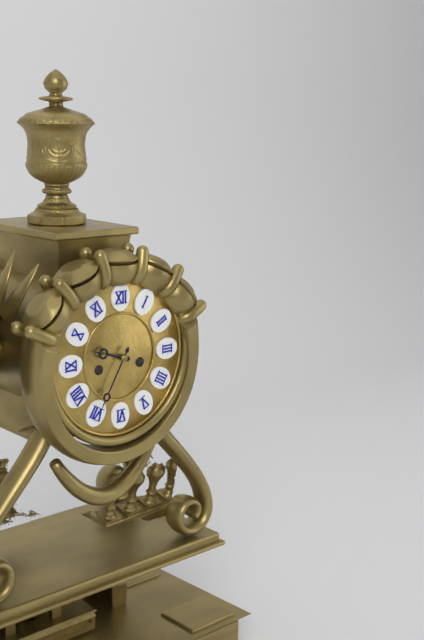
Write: 9h35
